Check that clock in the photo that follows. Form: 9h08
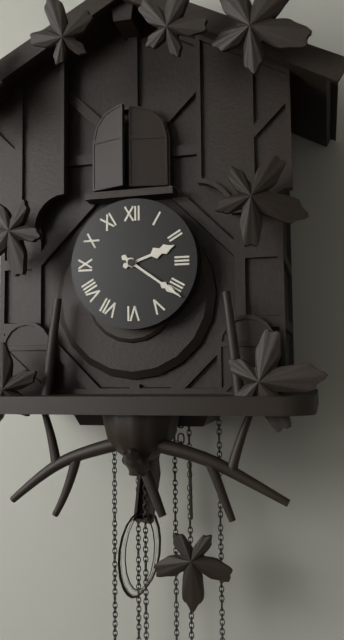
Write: 2h21
